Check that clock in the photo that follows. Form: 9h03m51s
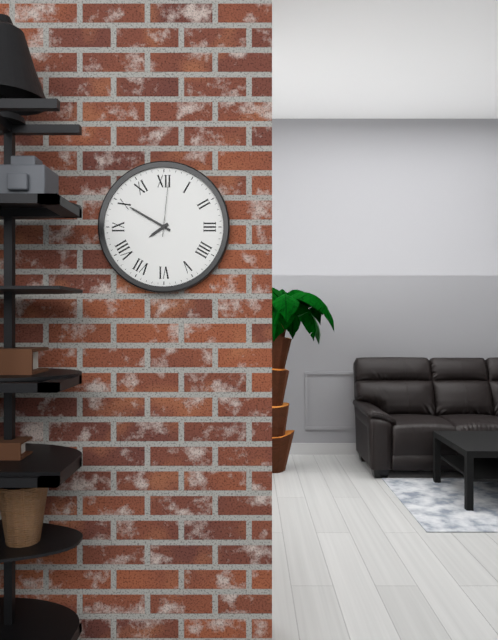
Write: 7h50m01s
